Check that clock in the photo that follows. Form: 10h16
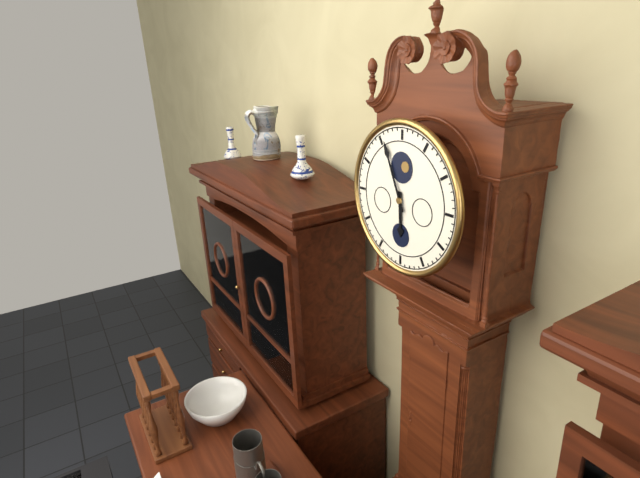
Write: 5h56
